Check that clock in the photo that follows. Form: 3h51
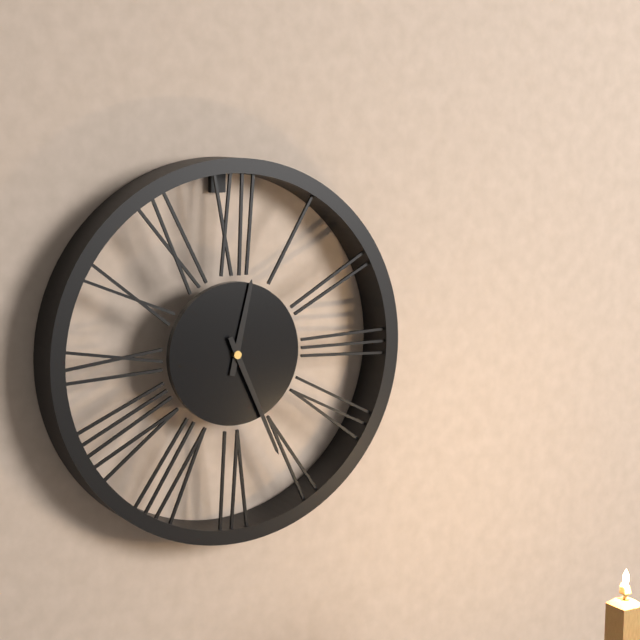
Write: 12h26
